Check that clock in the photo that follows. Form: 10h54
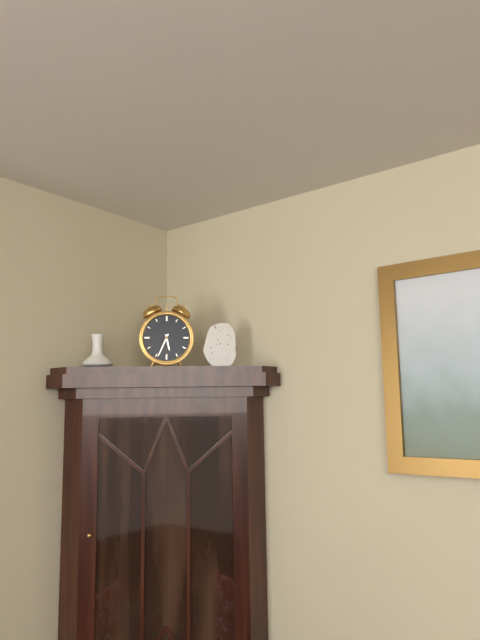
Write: 5h34
